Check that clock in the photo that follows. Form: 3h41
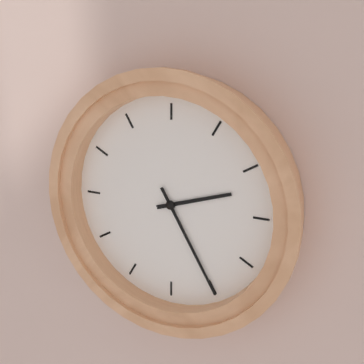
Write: 2h25
